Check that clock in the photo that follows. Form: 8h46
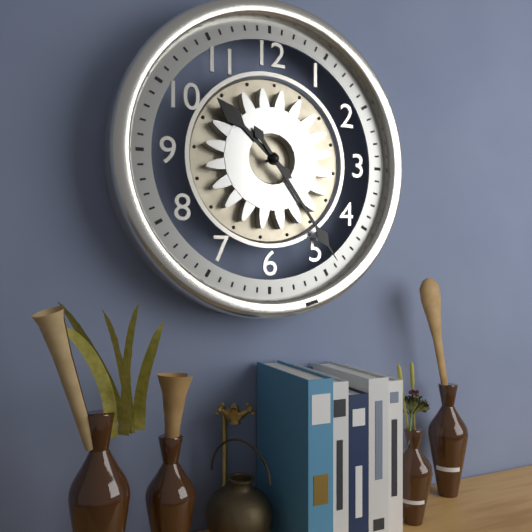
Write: 10h24
